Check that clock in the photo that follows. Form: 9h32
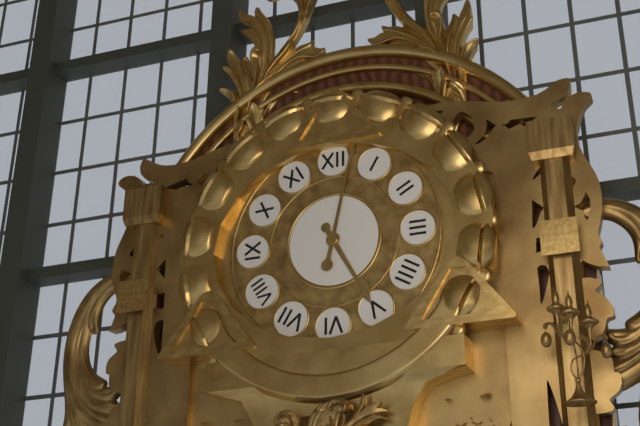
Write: 5h02
